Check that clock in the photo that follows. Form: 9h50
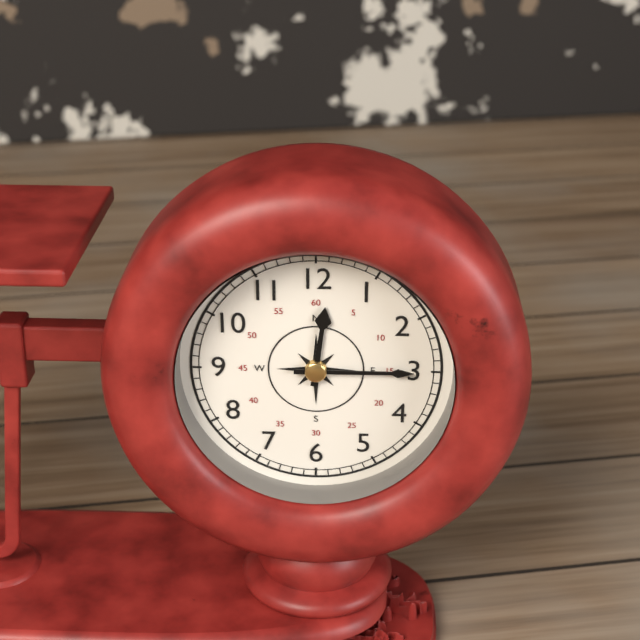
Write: 12h15
